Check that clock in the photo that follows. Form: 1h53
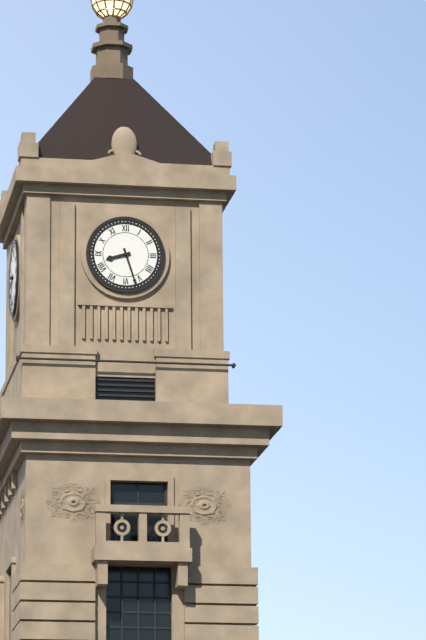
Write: 8h27
